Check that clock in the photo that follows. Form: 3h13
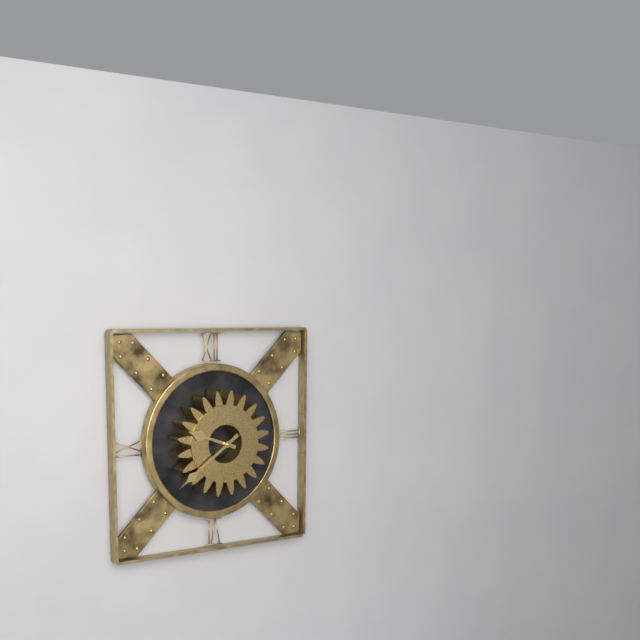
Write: 9h39
